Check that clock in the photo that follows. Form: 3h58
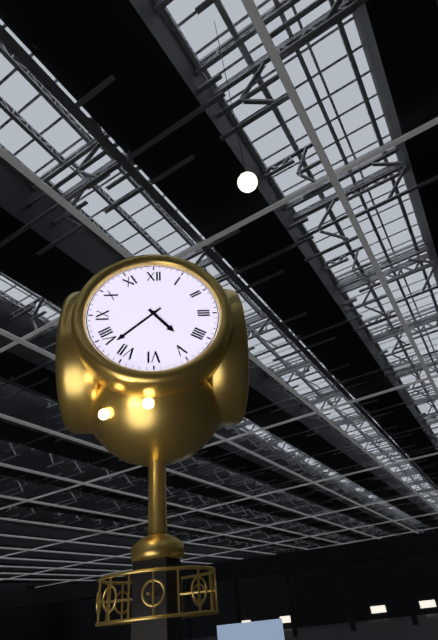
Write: 4h38
